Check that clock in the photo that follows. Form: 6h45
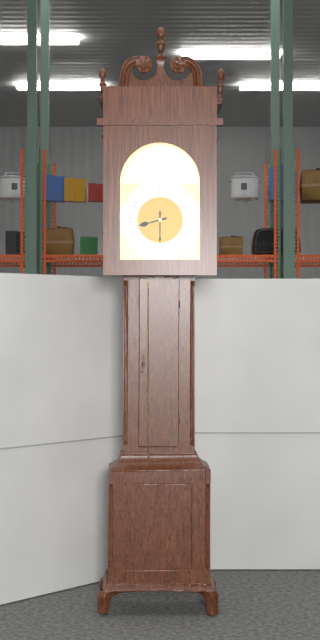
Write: 8h30
